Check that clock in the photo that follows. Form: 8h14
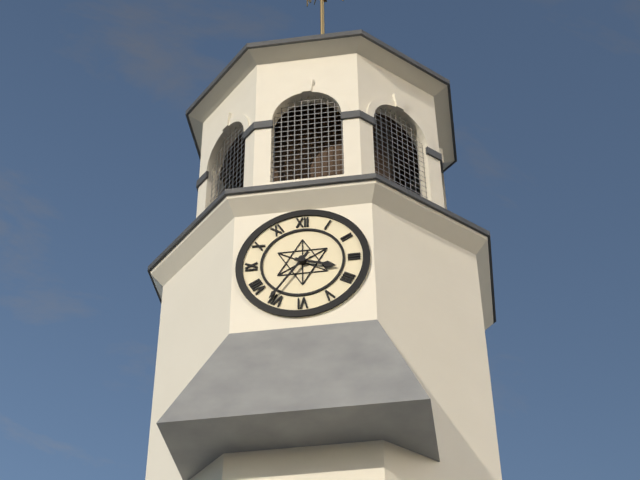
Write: 3h36
